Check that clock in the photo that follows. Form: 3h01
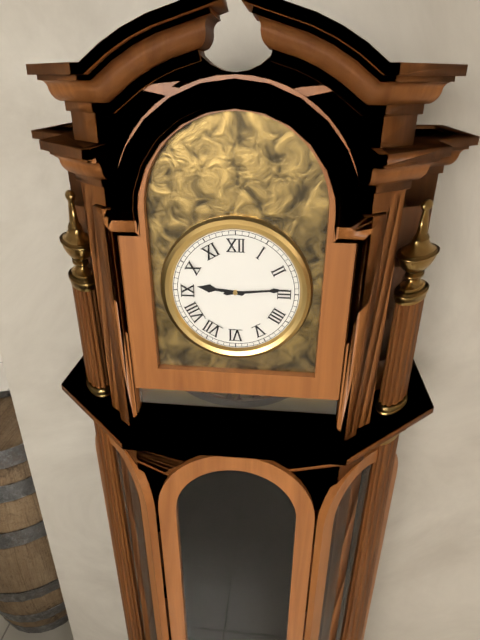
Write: 9h14
